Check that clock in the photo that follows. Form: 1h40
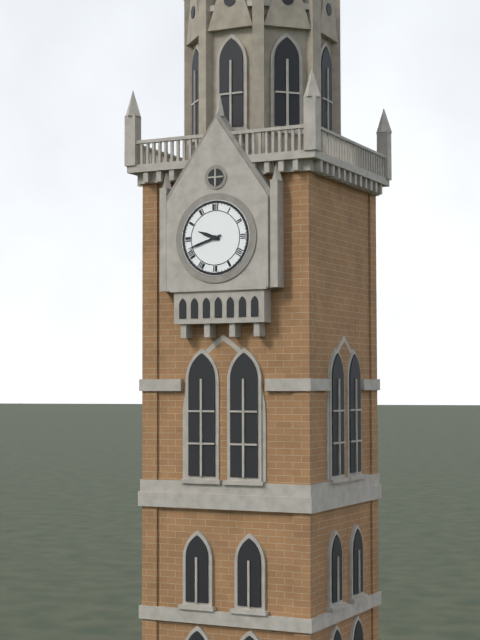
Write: 9h42
